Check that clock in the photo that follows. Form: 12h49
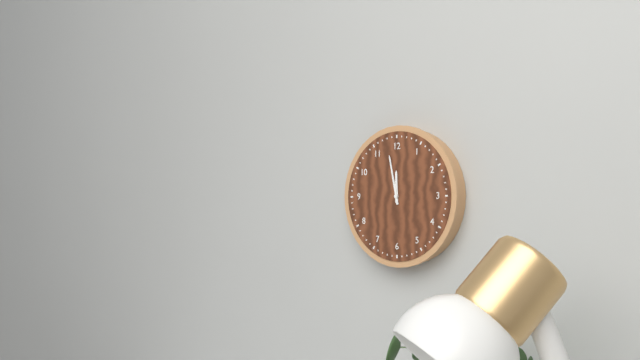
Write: 11h58
